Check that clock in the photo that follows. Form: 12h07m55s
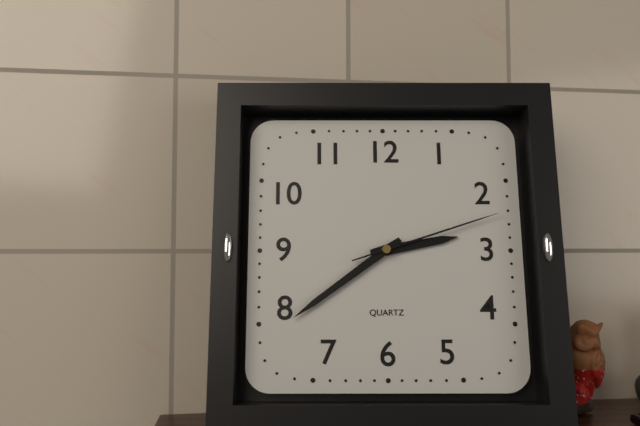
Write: 2h39m12s
